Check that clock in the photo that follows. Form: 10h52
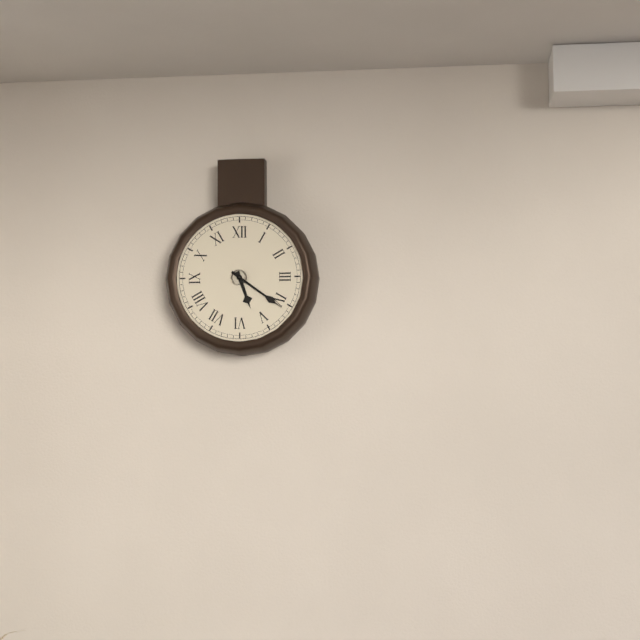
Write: 5h21
